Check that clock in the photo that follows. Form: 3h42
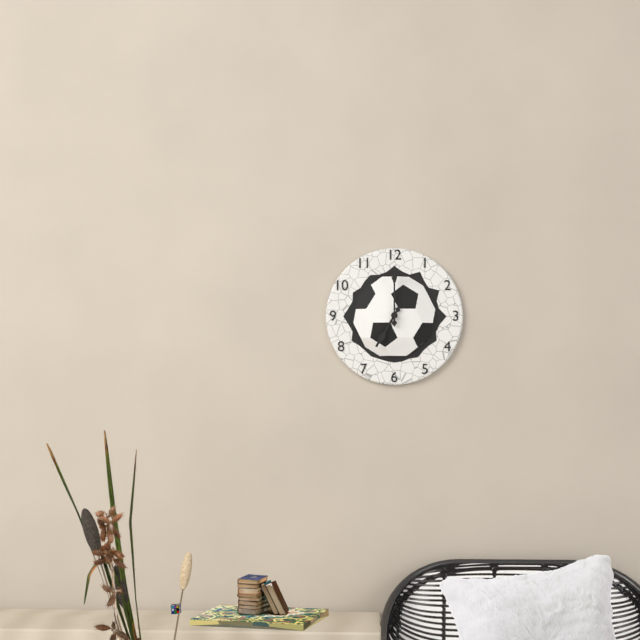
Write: 7h00
